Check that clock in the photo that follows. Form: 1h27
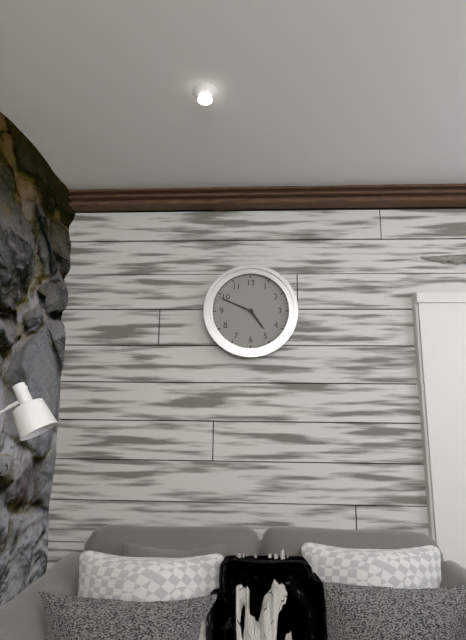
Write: 4h49
